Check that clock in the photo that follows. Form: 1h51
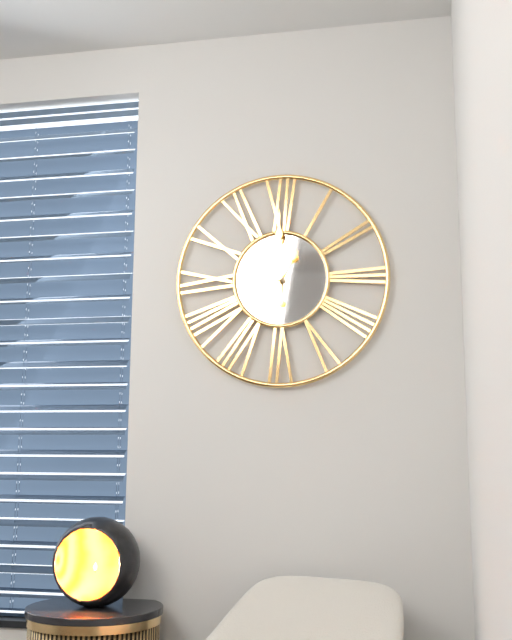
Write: 1h00
